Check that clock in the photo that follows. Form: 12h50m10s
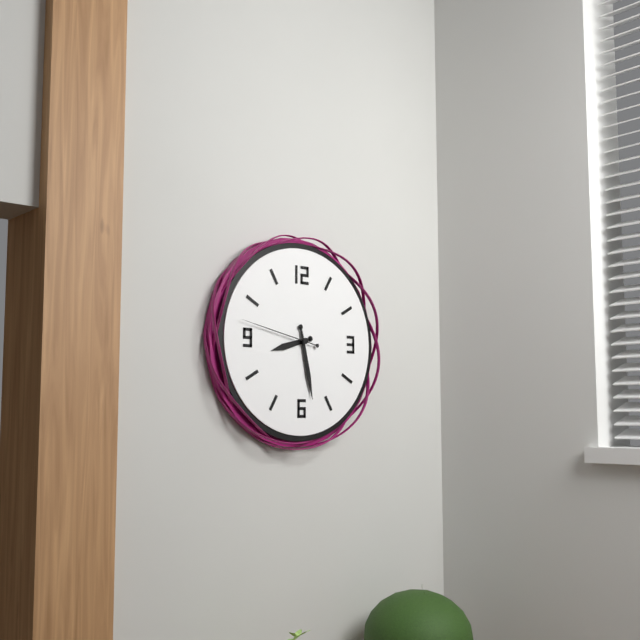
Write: 8h28m47s
